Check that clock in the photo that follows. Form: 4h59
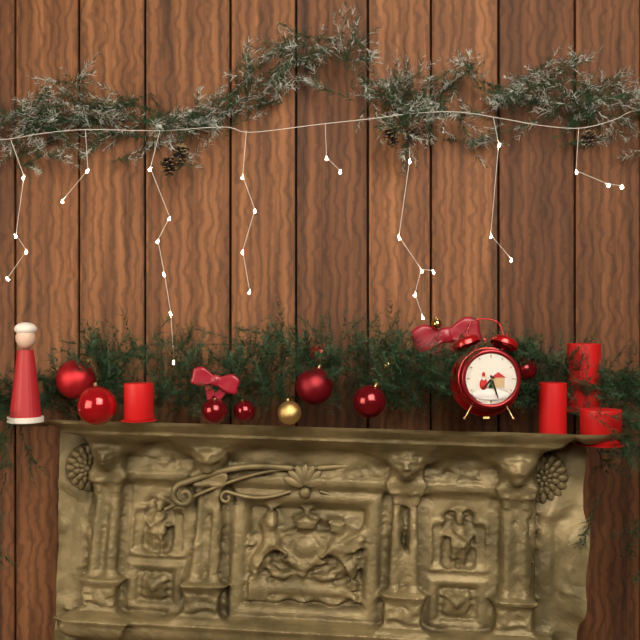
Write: 7h27
